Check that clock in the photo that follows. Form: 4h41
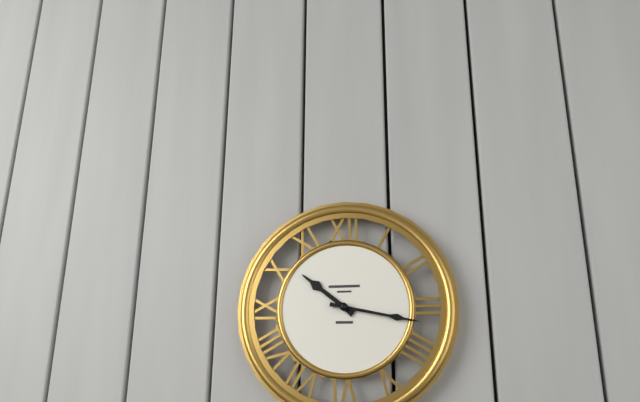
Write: 10h17
